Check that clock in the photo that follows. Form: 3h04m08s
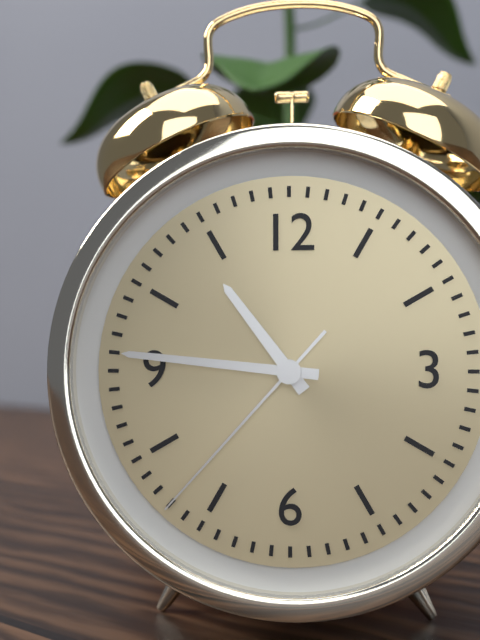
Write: 10h46m37s
